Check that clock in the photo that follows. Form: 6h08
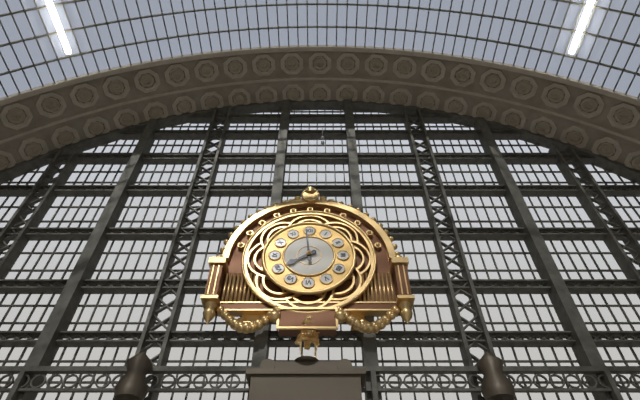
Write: 7h59
